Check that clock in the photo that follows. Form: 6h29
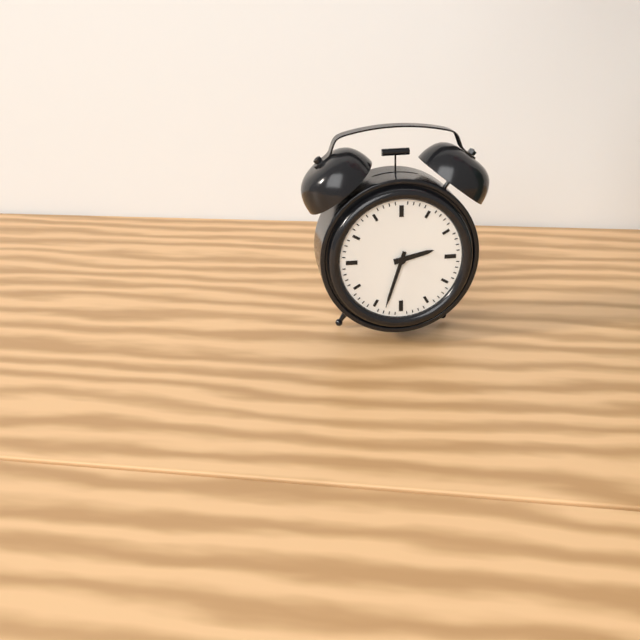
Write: 2h33
